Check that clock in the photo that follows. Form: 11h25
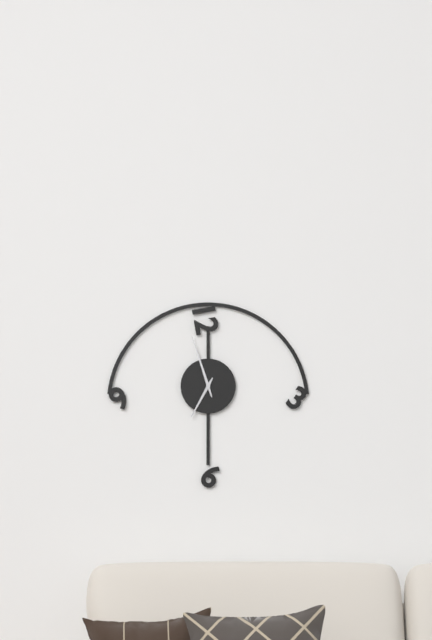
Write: 6h57
